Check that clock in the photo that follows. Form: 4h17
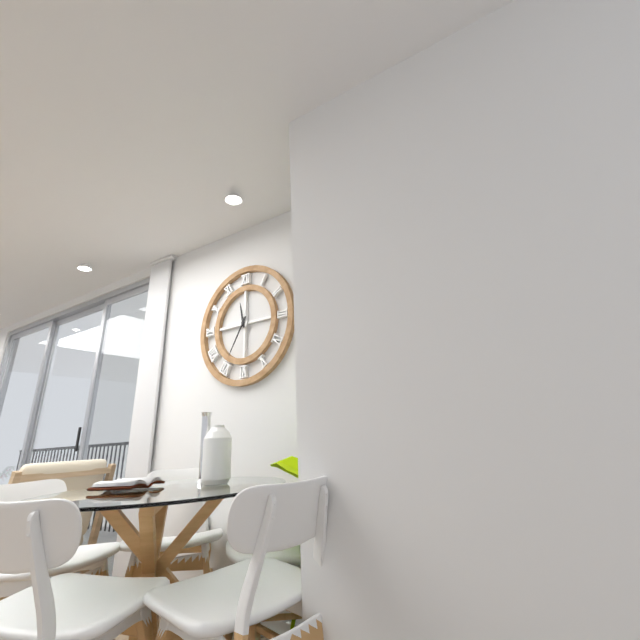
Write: 11h35
